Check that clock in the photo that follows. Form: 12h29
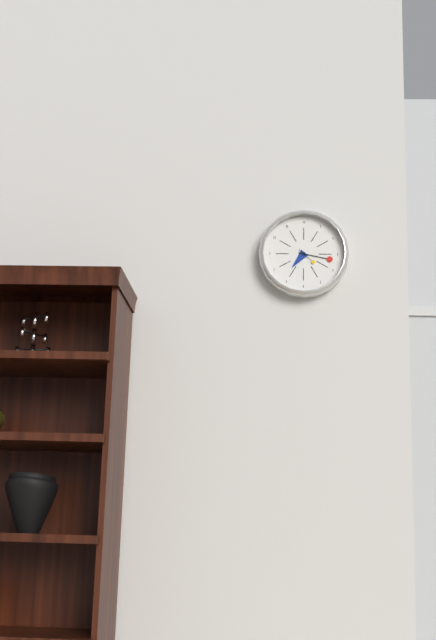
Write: 7h17
